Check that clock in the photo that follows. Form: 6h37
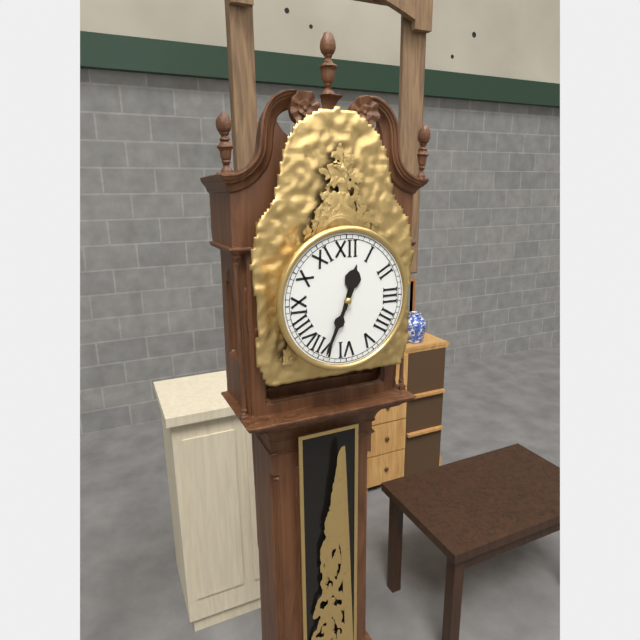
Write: 12h34
